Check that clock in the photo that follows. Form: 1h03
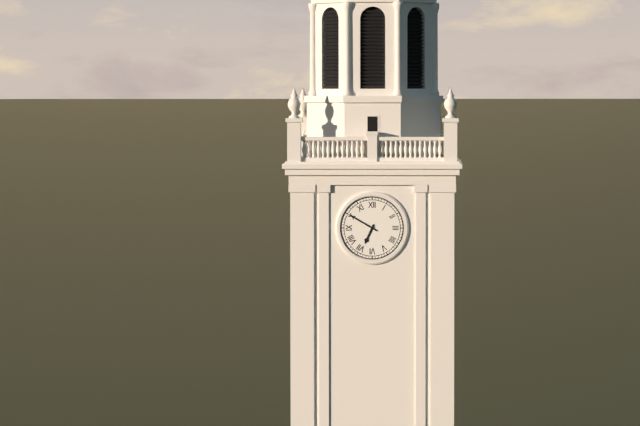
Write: 6h50
